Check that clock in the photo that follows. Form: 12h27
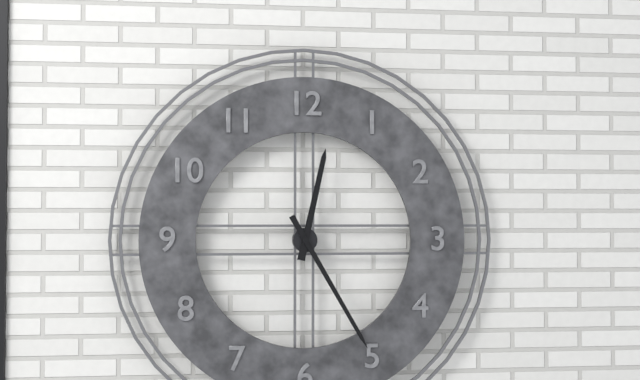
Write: 12h25
